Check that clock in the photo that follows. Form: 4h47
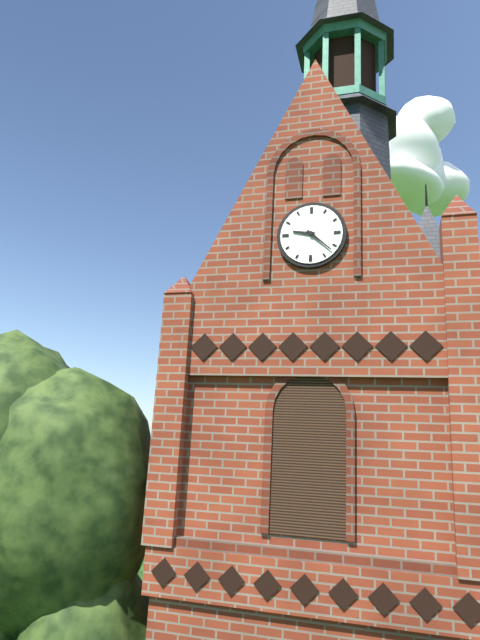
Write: 9h22
